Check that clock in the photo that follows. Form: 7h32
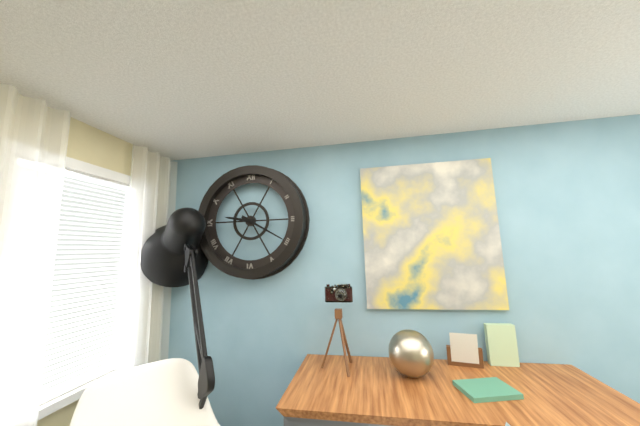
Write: 9h20
